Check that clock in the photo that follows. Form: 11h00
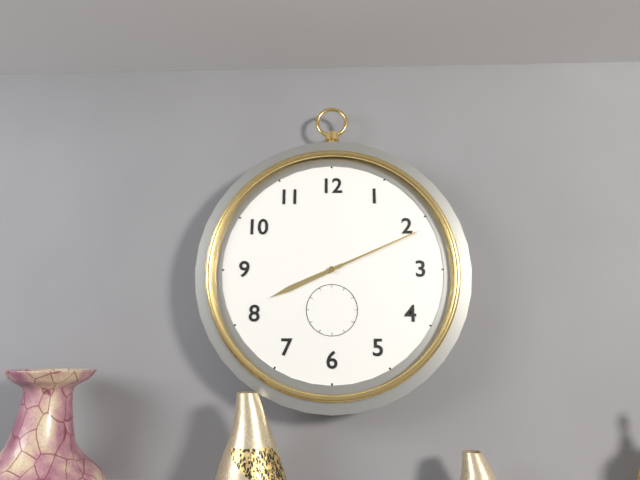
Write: 8h11
